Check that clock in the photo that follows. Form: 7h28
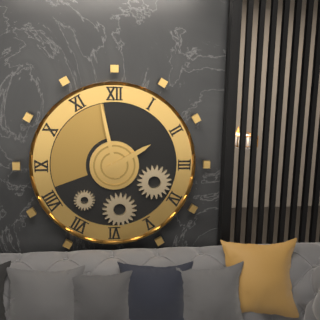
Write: 1h58
